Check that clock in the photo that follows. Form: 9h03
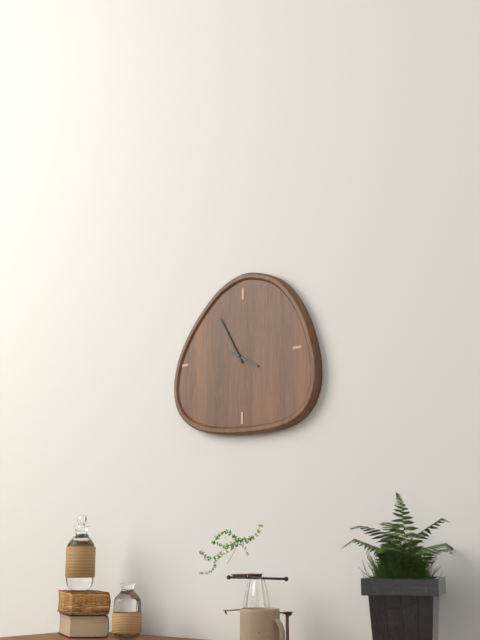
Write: 3h55
